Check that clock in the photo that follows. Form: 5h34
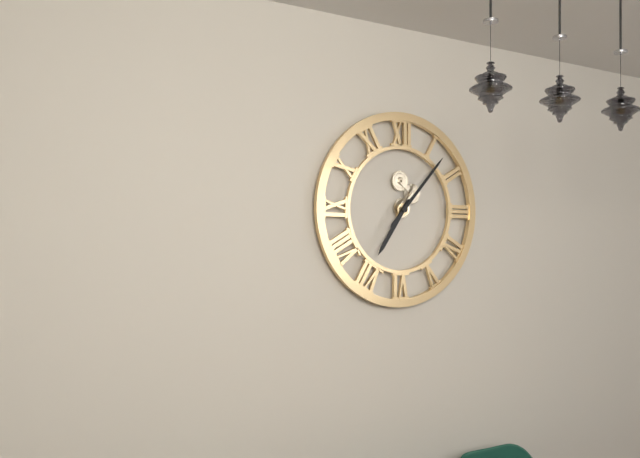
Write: 7h07
